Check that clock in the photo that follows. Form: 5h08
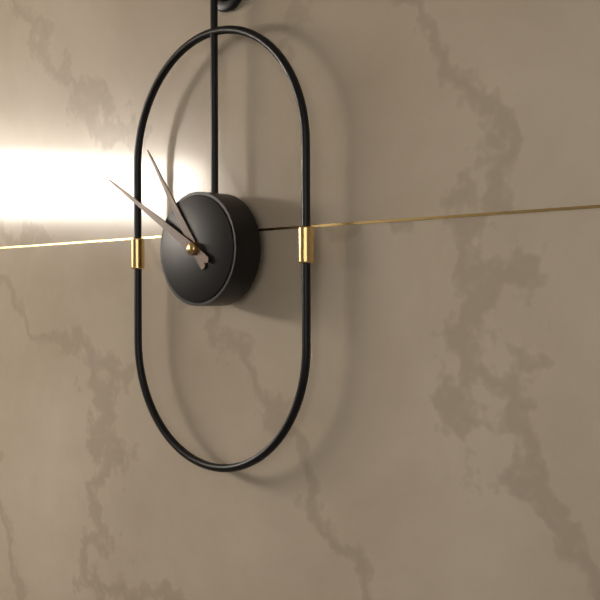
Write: 10h50
